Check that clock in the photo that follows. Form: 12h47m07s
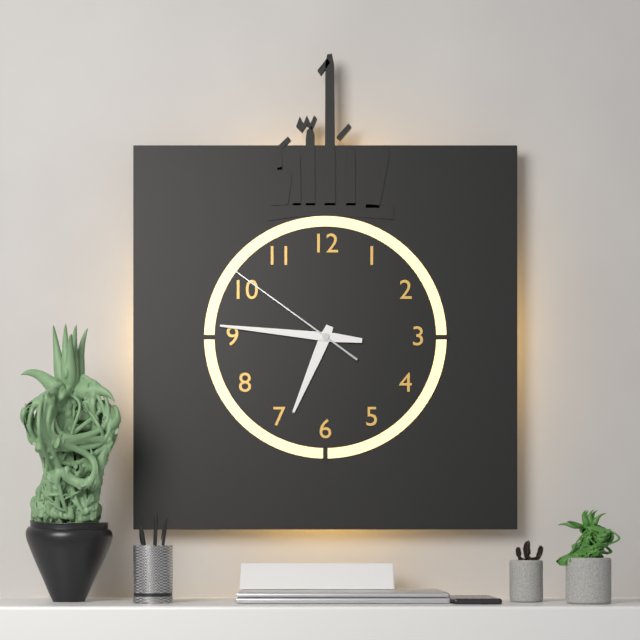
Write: 6h46m51s
